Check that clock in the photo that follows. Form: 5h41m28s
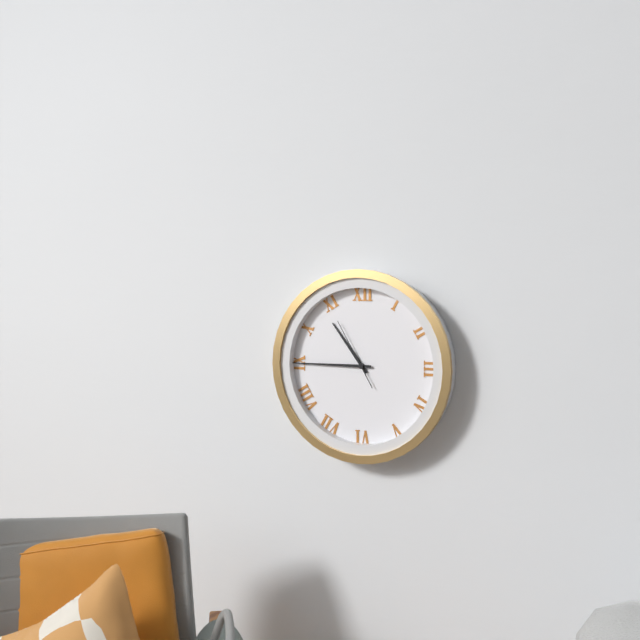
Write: 10h45m55s
